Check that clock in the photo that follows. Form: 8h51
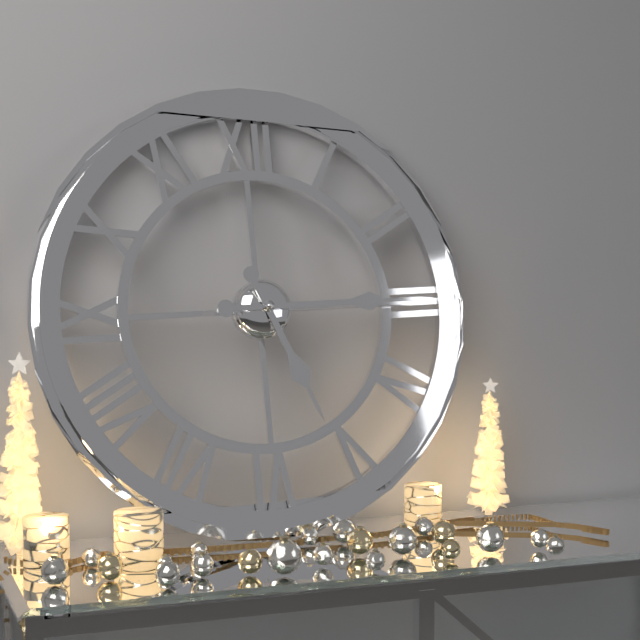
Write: 5h15
